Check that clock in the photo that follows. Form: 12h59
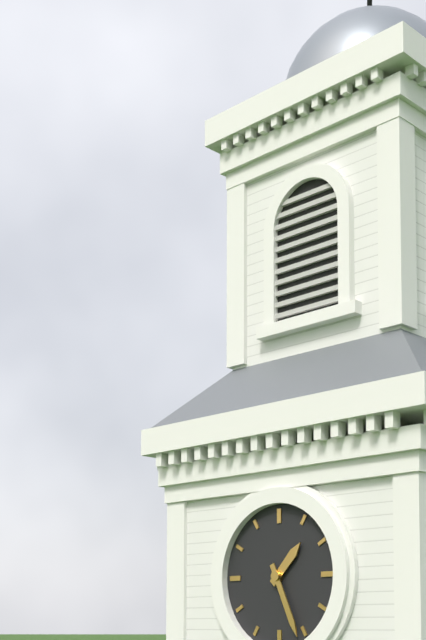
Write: 1h26
